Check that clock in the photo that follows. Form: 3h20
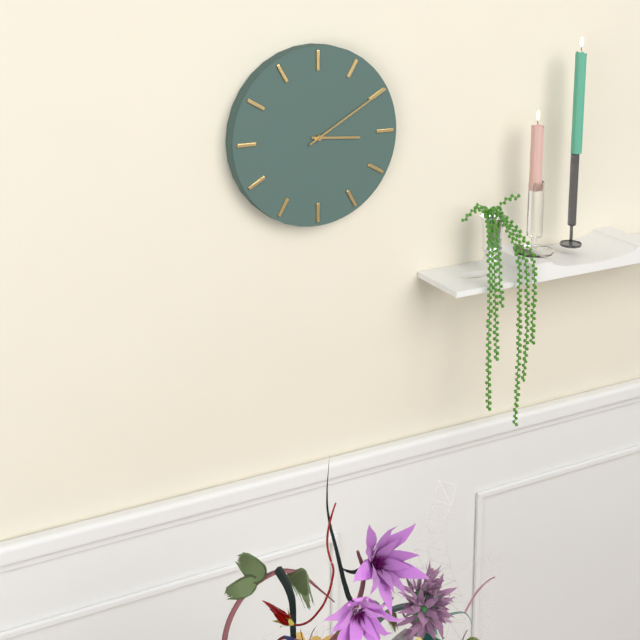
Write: 3h10
